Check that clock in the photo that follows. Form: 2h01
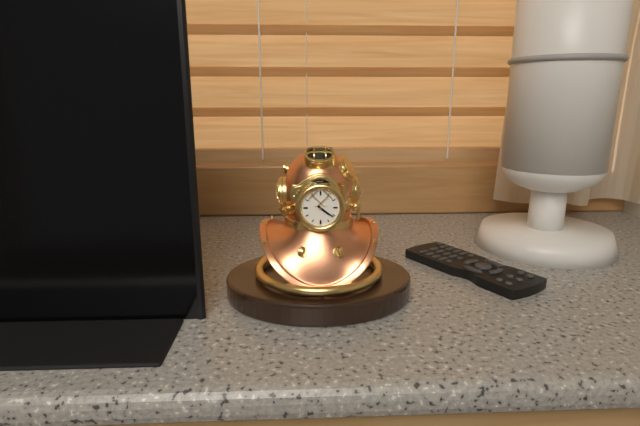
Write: 4h21
